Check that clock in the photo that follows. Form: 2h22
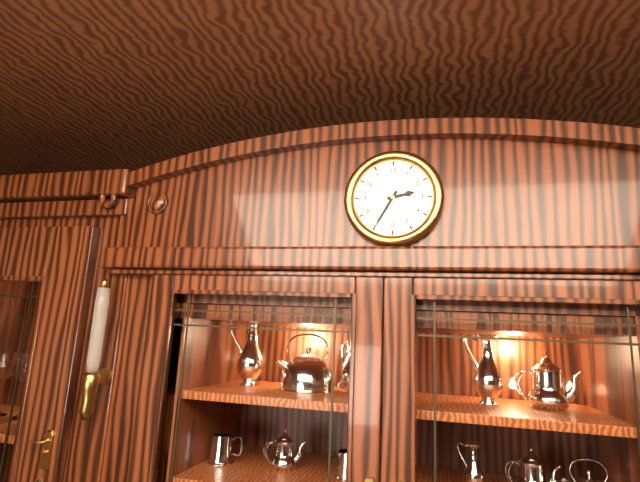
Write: 2h35
